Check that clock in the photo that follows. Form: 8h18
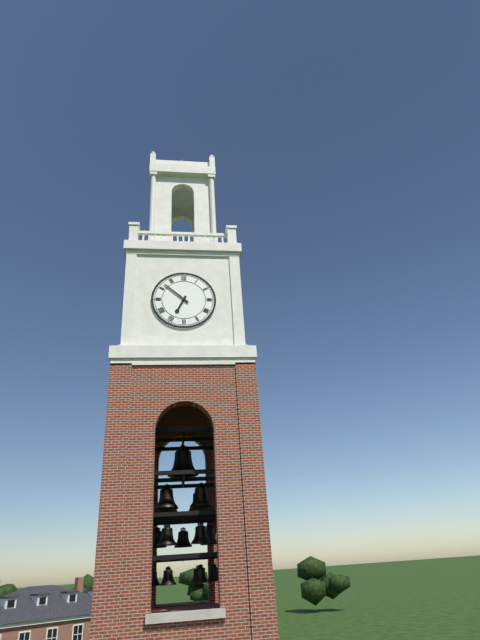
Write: 6h52
